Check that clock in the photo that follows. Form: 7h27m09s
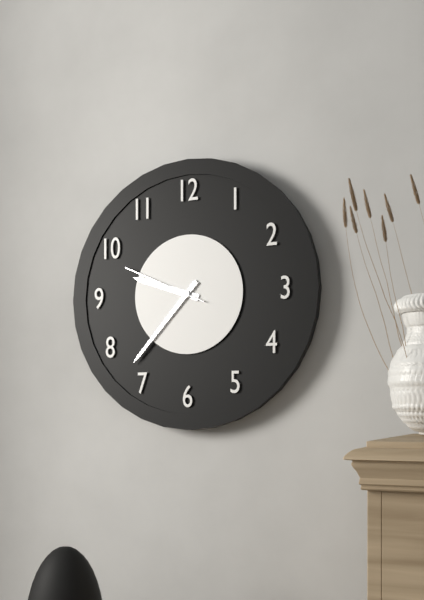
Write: 9h37m49s
